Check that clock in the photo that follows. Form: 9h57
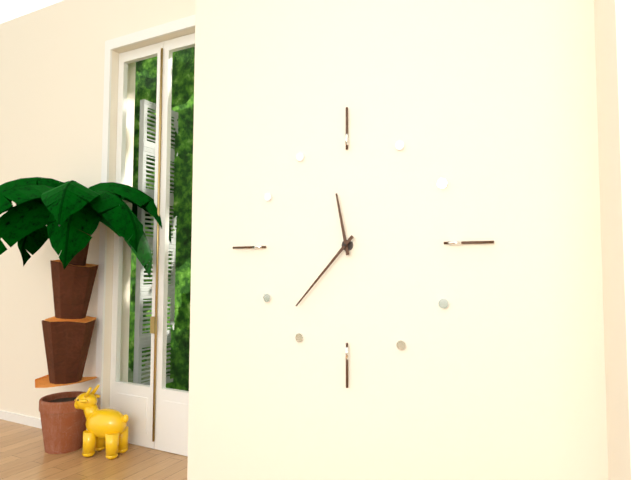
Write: 11h37
